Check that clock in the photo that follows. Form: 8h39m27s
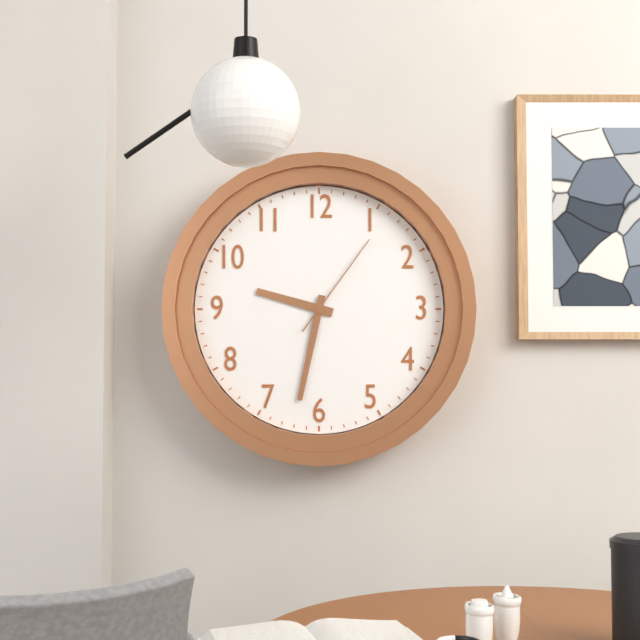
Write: 9h32m06s
